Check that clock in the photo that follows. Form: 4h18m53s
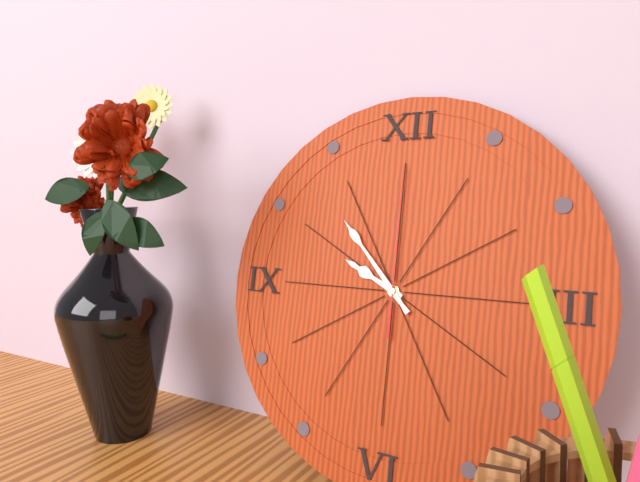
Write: 9h53m00s
